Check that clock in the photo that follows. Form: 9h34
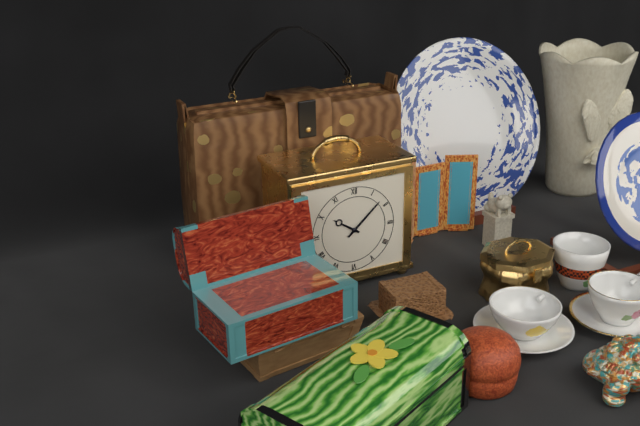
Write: 10h08
